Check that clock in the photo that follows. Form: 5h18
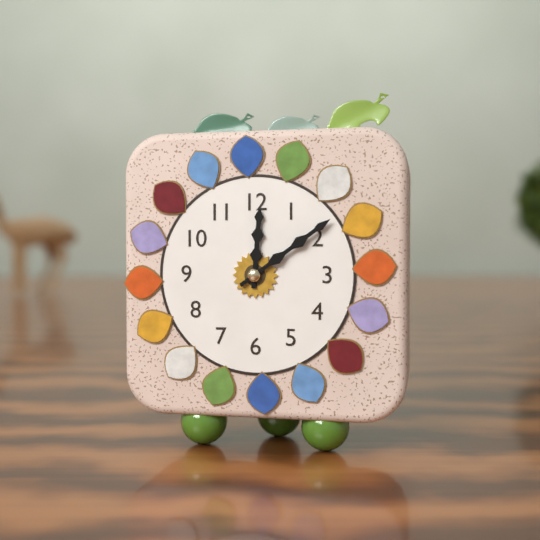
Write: 12h09
